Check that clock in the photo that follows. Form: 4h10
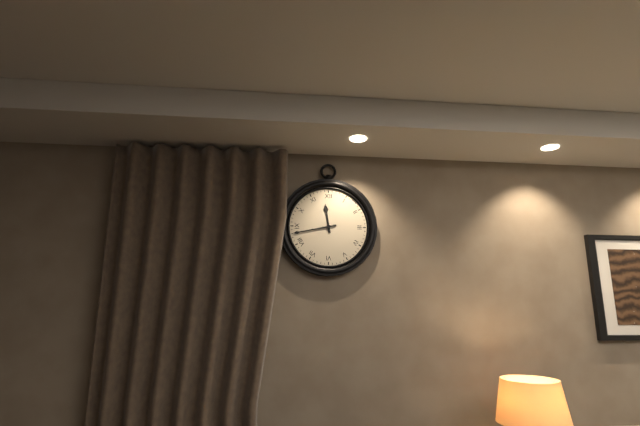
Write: 11h43
